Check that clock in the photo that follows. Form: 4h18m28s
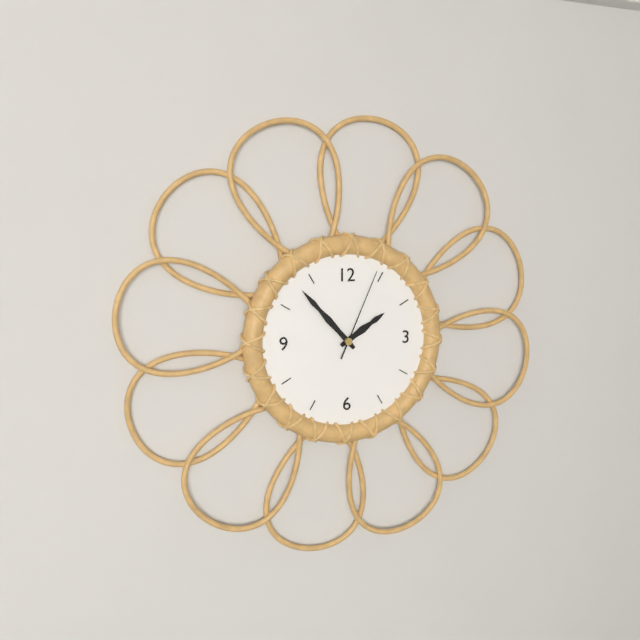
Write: 1h53m04s
